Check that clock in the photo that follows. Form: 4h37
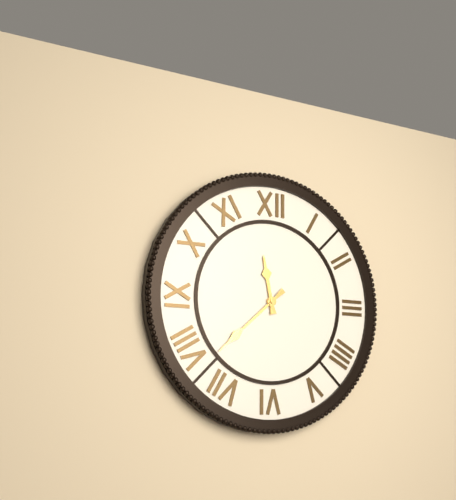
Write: 11h38
